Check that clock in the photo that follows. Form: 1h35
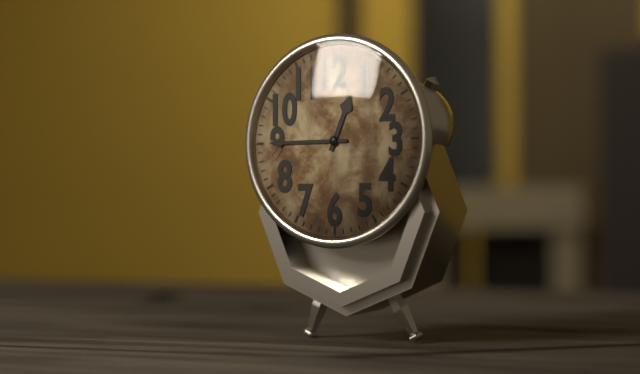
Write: 12h45
